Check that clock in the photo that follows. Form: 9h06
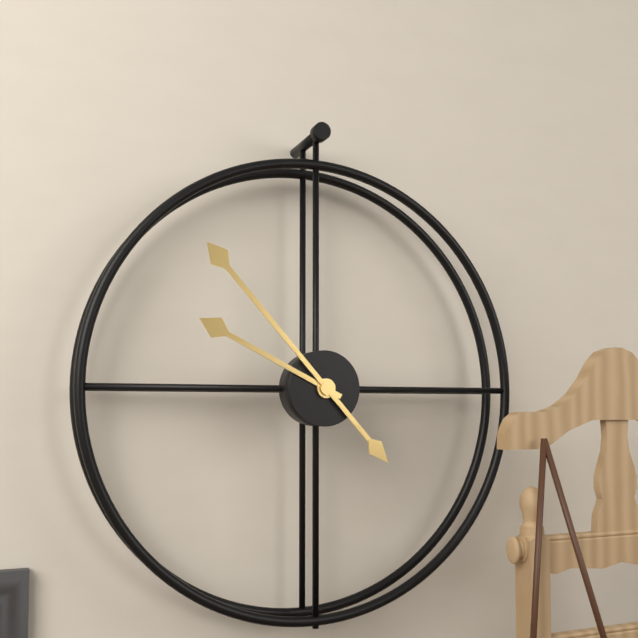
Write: 9h53
